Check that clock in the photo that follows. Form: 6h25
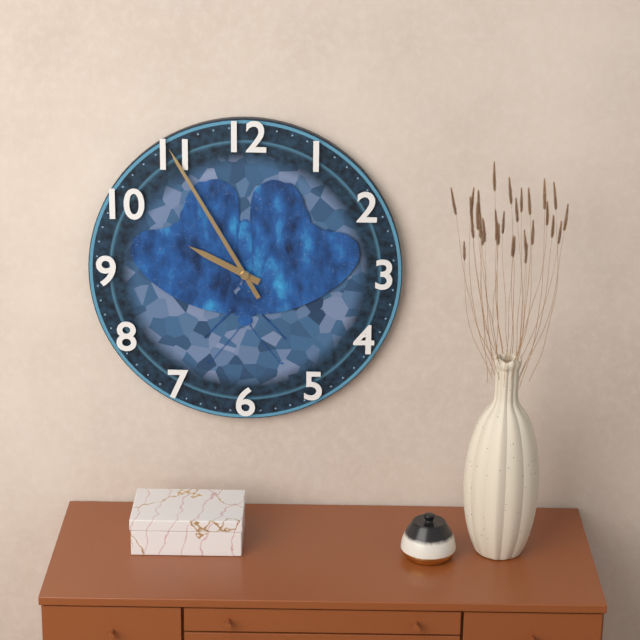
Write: 9h55
